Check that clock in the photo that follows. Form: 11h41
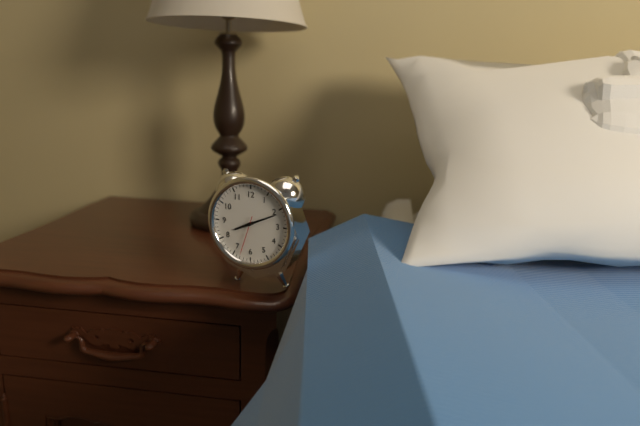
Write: 8h11
